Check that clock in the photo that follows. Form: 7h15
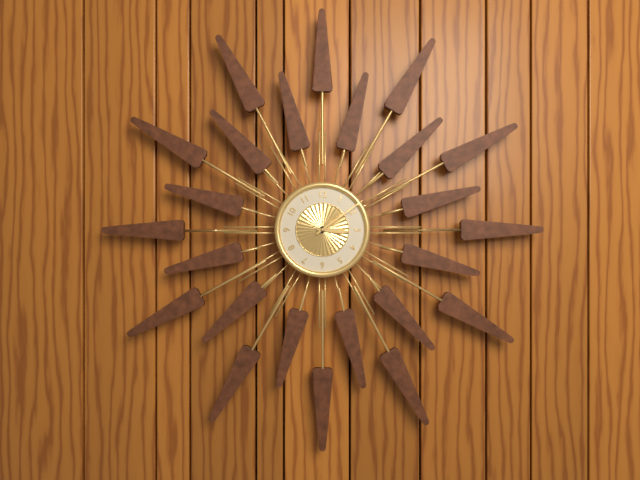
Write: 3h09
